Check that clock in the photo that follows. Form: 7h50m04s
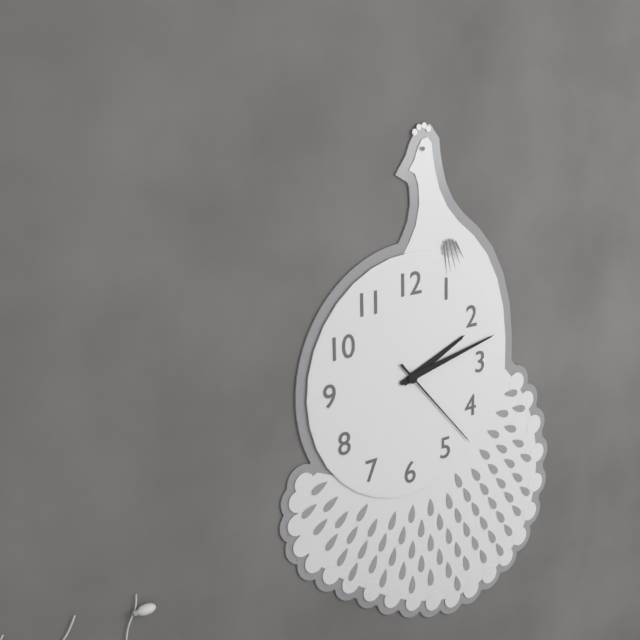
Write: 2h13m23s
